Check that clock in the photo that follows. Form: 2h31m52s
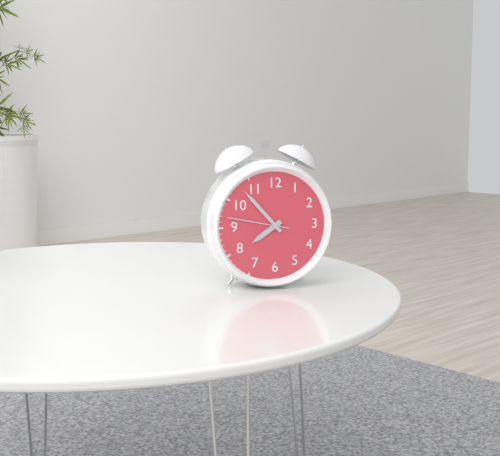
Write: 7h53m47s
